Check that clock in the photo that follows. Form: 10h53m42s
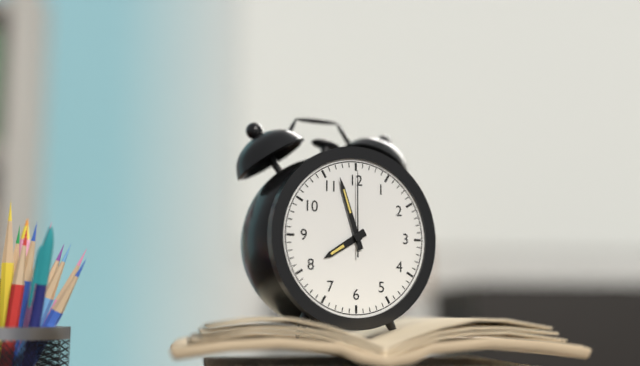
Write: 7h57m00s
